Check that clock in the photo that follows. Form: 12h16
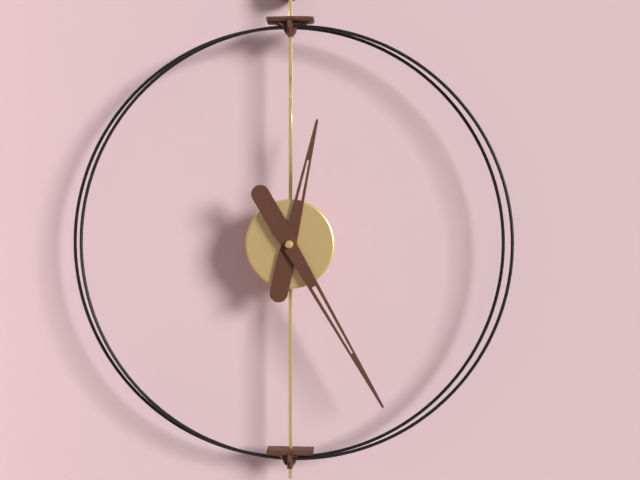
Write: 12h25
